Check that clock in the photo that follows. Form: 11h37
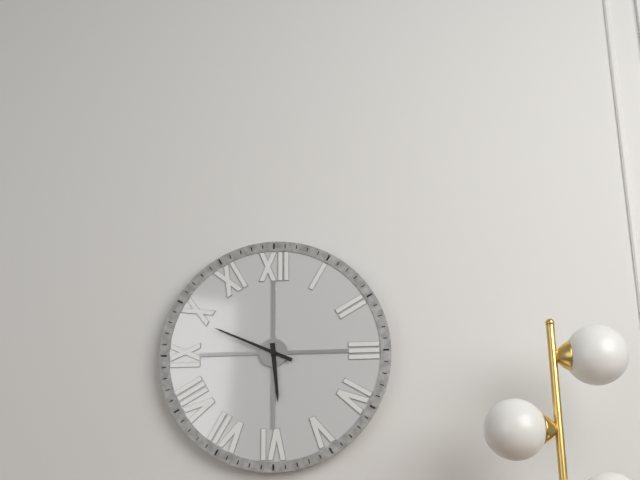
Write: 5h49
